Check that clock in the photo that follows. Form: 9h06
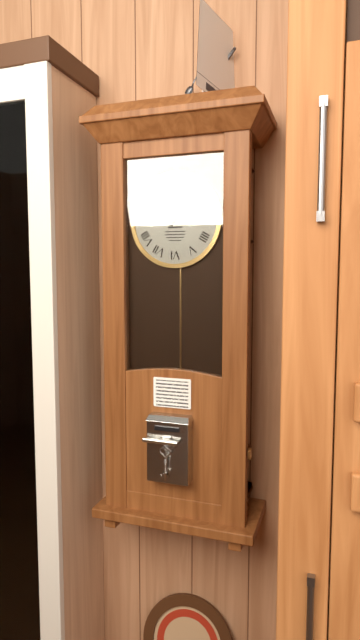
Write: 1h12
